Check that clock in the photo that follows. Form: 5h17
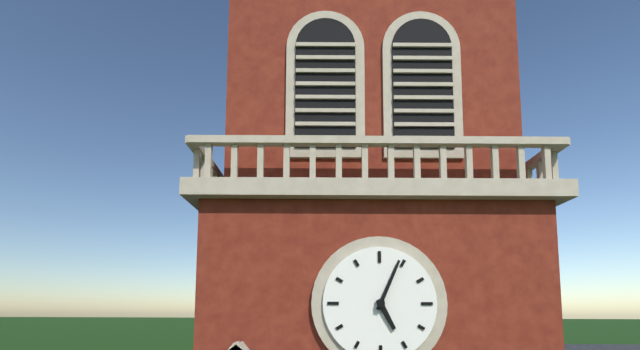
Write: 5h04
